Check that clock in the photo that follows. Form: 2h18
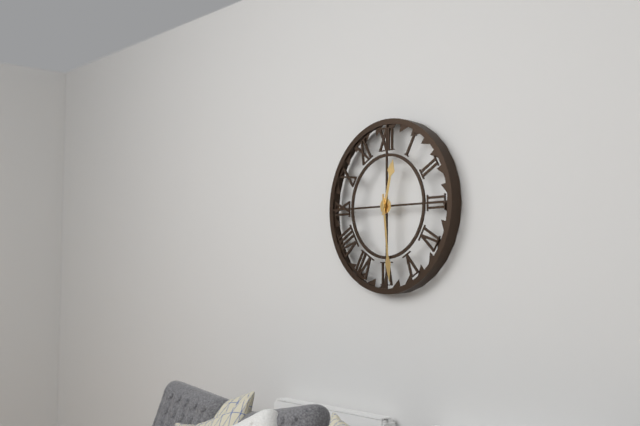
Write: 12h29
